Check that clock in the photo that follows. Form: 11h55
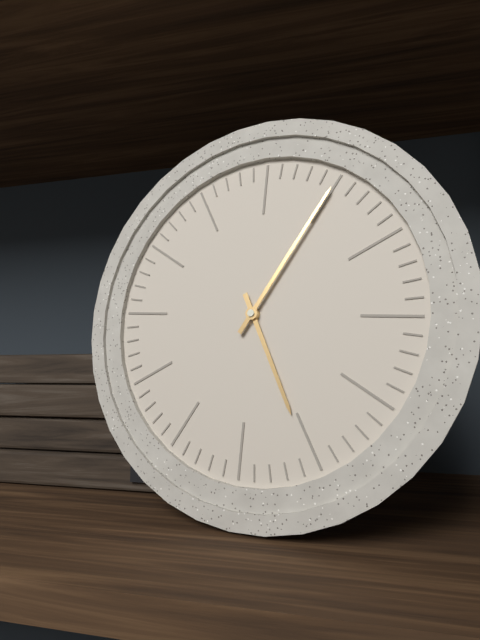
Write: 5h05
